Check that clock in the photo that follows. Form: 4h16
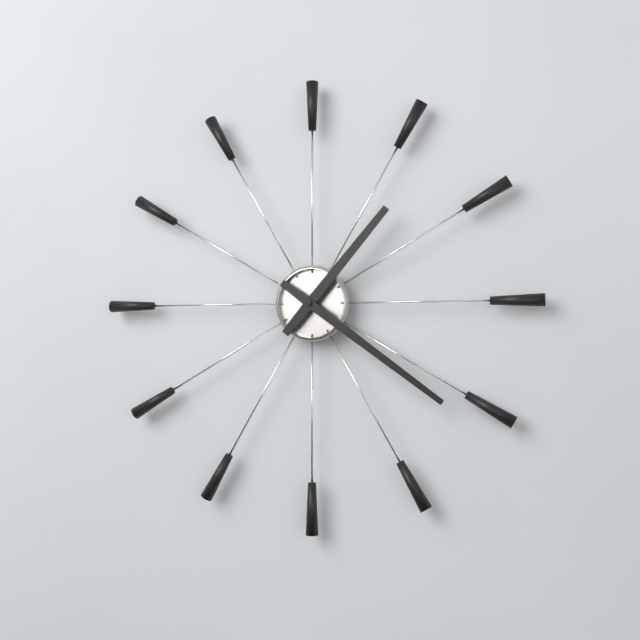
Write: 1h21
